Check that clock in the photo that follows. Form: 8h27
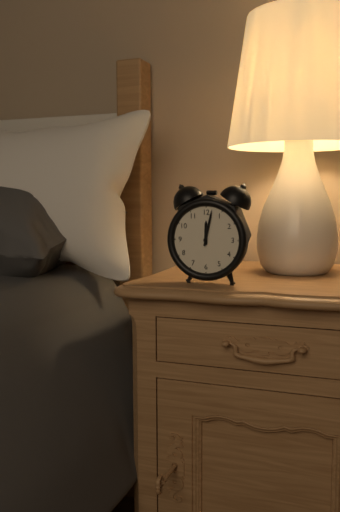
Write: 12h02
